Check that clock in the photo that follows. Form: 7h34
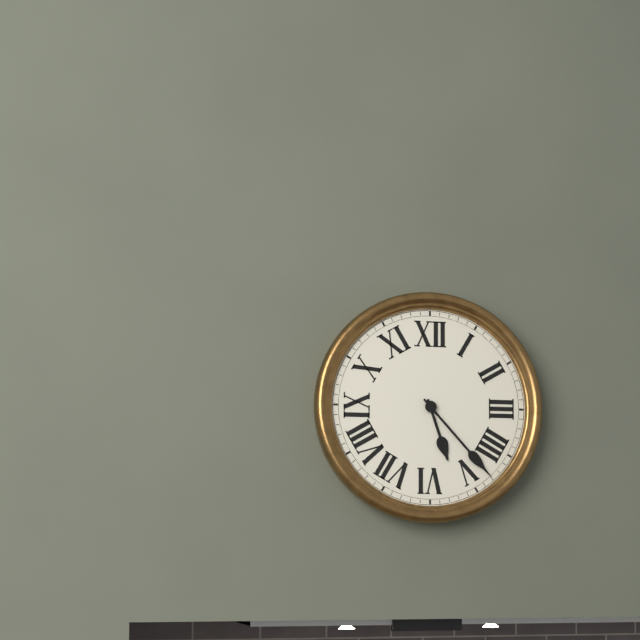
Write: 5h23
